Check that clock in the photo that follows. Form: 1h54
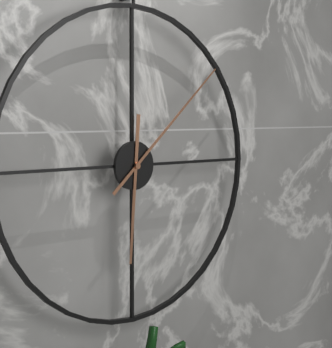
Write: 6h08
